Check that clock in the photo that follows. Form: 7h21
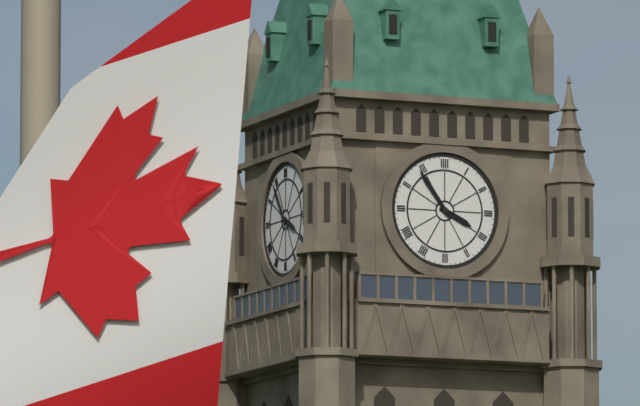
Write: 3h54
